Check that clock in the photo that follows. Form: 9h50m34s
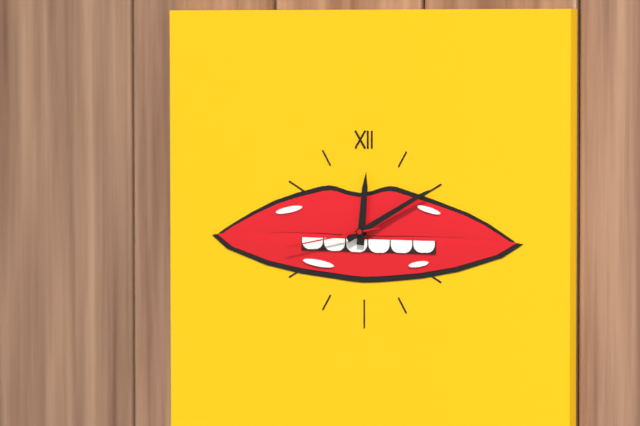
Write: 12h10m43s
